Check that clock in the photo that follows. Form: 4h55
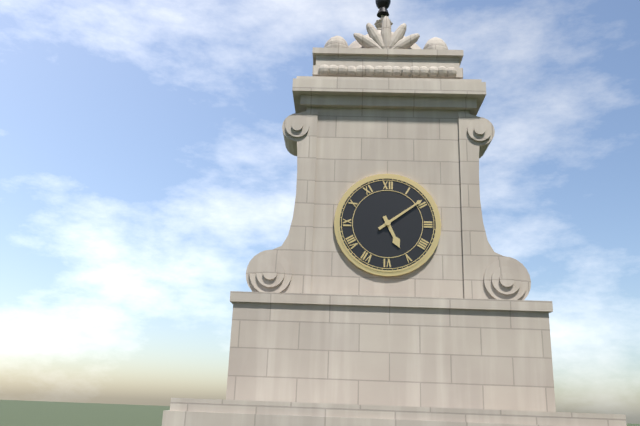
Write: 5h09
